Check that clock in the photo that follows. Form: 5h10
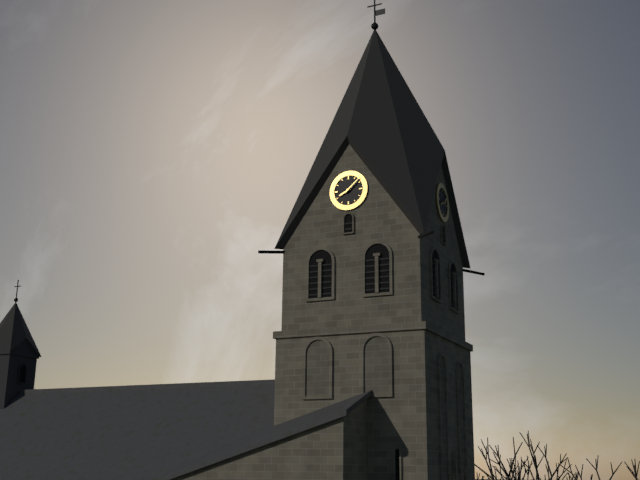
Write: 8h08
